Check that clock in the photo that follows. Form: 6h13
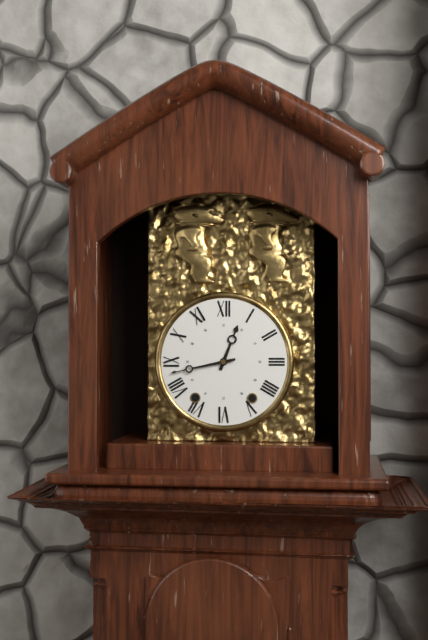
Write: 12h43
